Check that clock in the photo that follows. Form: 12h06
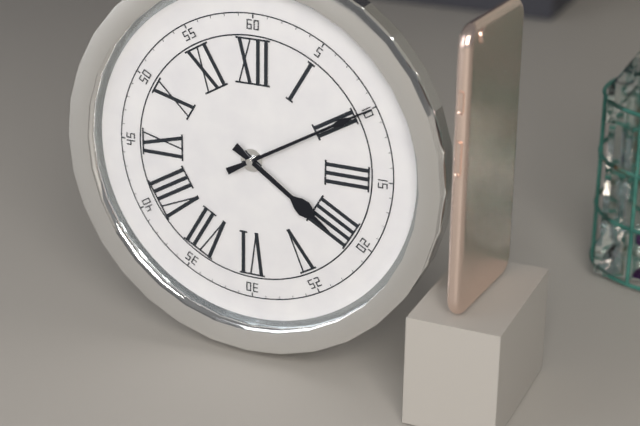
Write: 4h10
